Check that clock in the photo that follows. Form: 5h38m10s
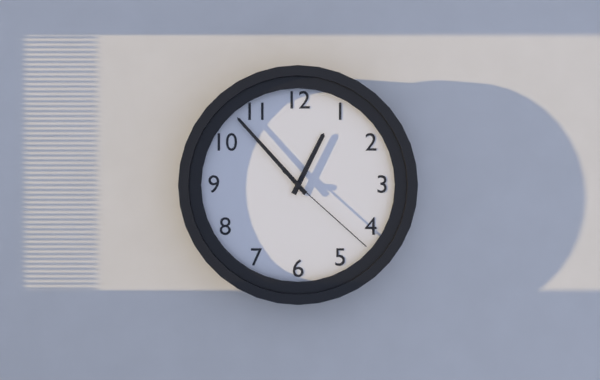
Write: 12h53m22s
